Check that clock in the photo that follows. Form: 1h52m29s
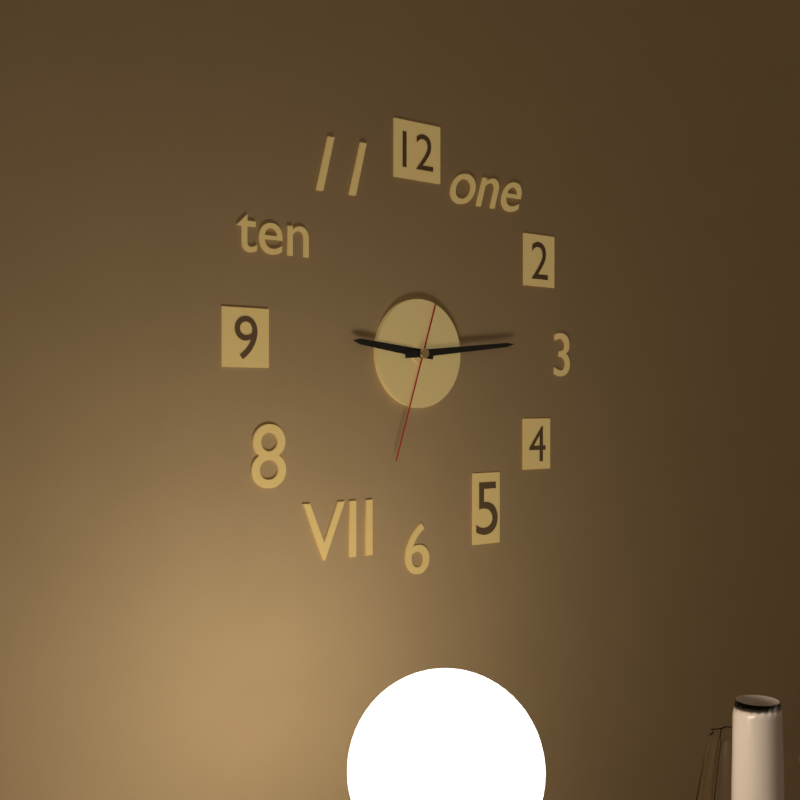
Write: 9h14m33s
